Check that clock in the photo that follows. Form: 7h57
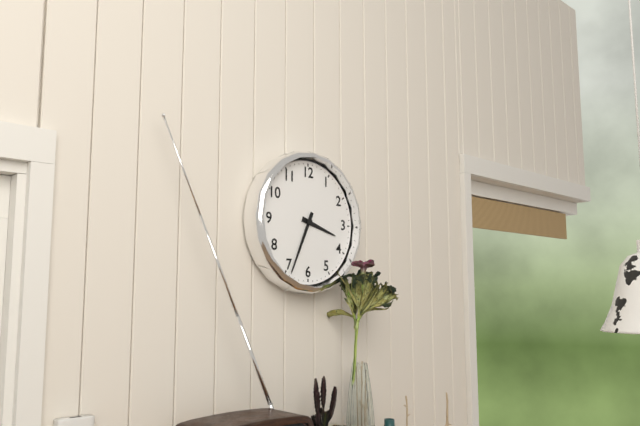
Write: 3h34
